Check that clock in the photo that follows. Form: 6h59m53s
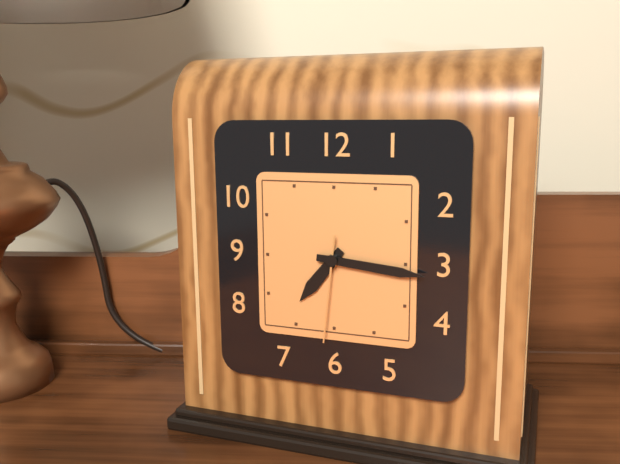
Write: 7h16m31s
